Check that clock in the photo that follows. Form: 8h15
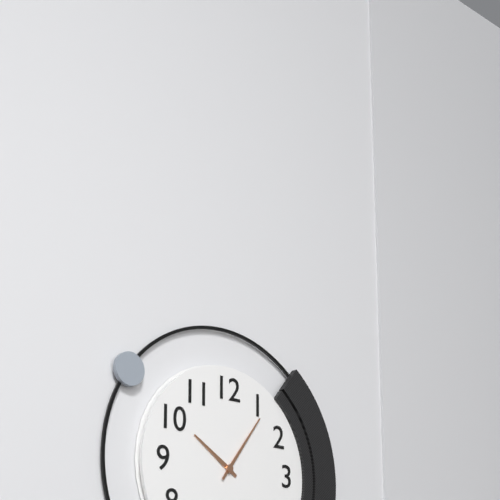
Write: 10h06
